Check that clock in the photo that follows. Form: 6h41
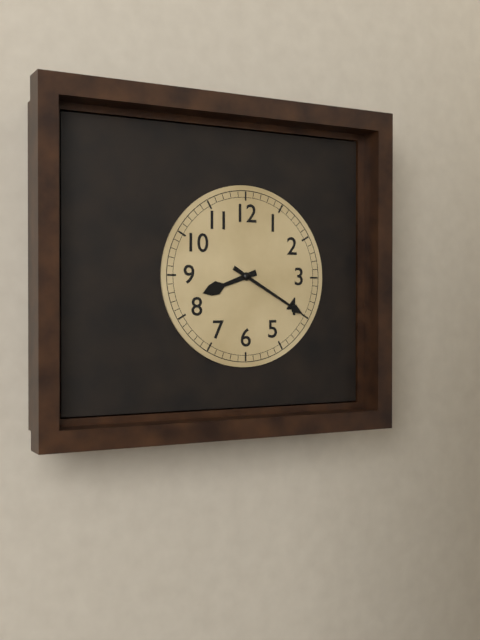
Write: 8h20
